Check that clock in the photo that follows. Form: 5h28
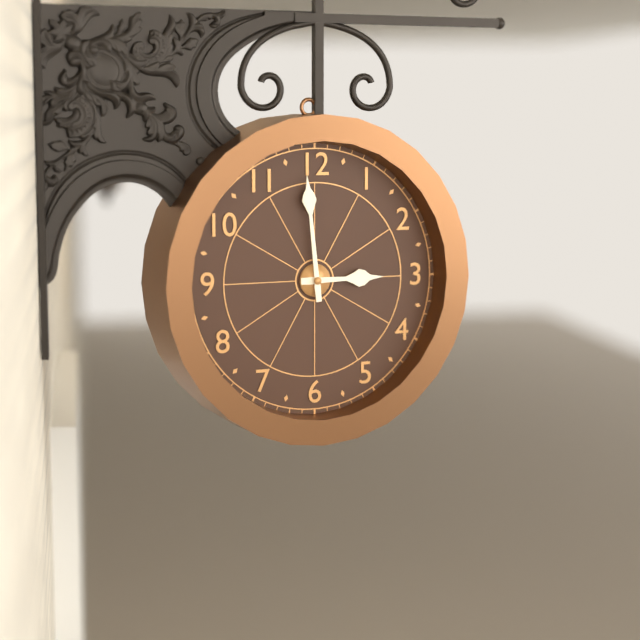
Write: 2h59
